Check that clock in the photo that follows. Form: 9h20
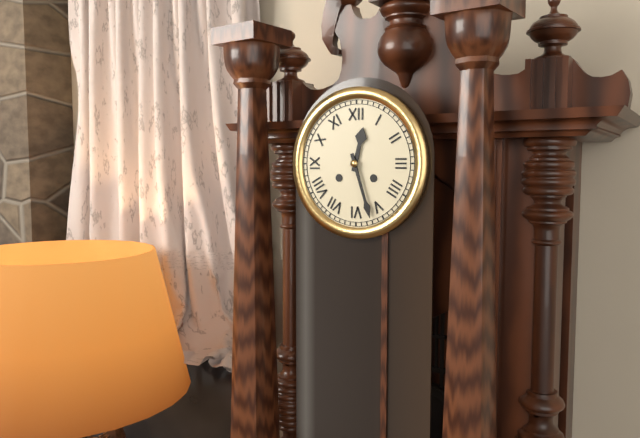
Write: 12h27
